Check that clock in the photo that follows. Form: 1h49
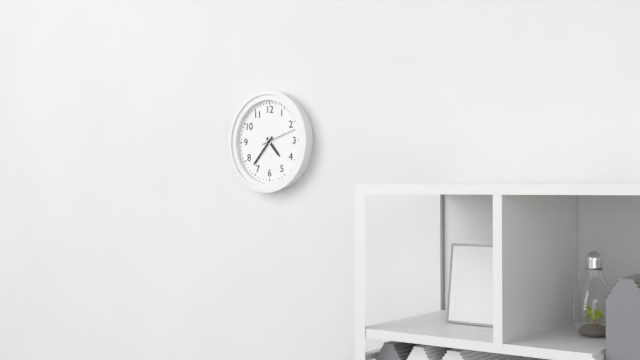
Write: 4h37
